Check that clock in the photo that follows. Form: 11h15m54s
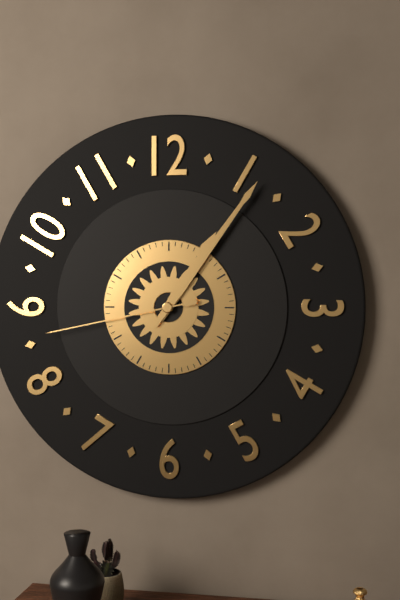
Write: 1h06m43s
